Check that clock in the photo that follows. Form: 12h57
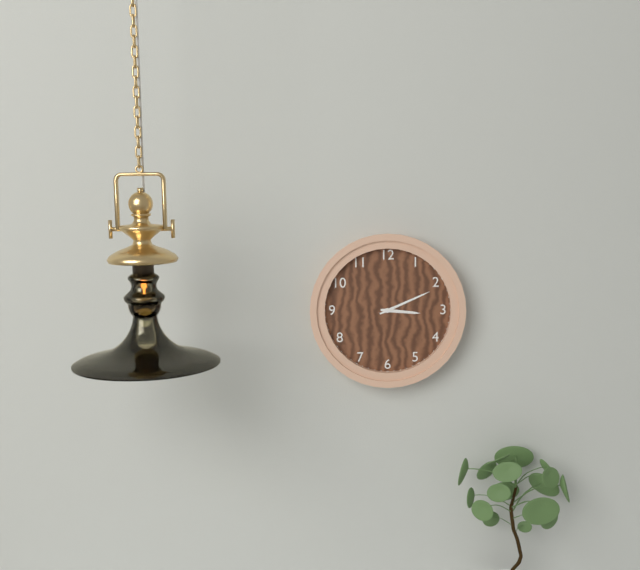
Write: 3h11
